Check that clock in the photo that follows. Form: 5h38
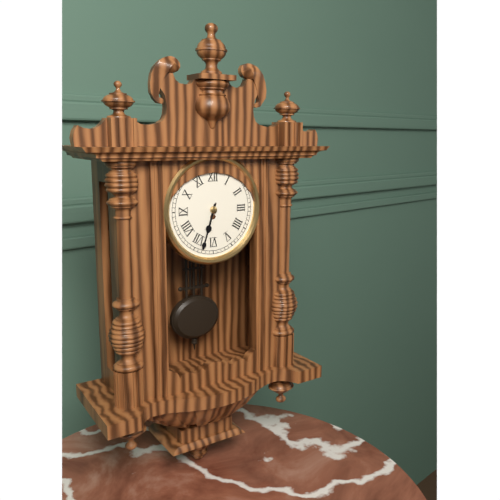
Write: 6h33
